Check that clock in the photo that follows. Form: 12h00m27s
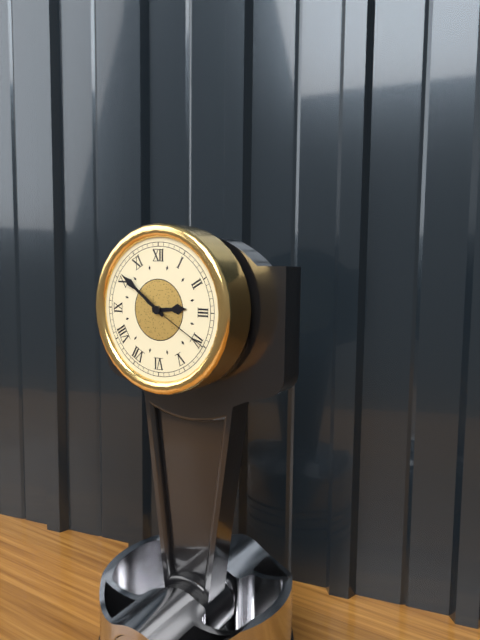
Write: 2h51m20s
